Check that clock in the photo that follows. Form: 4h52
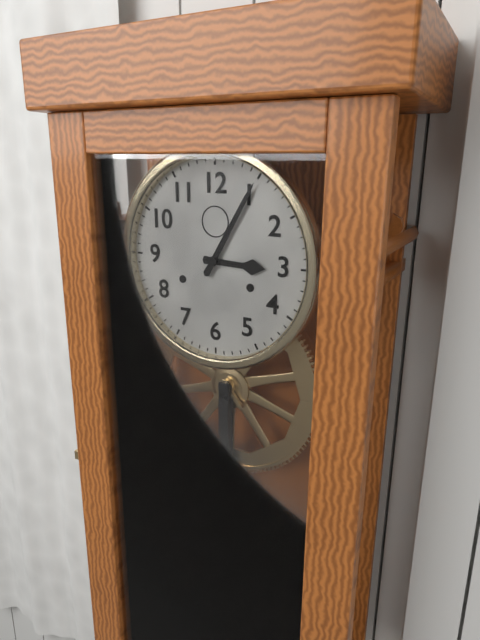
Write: 3h05
